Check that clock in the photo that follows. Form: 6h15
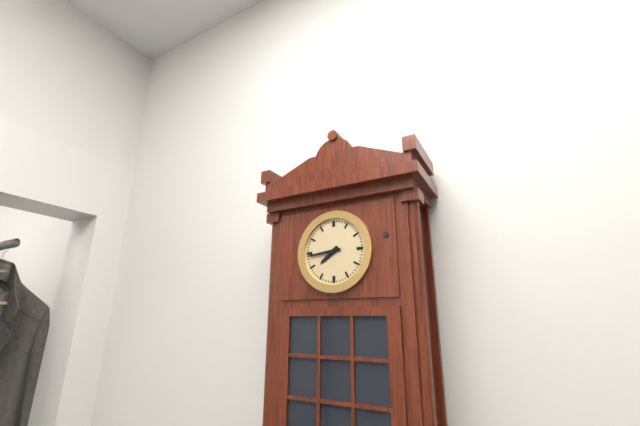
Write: 7h44
